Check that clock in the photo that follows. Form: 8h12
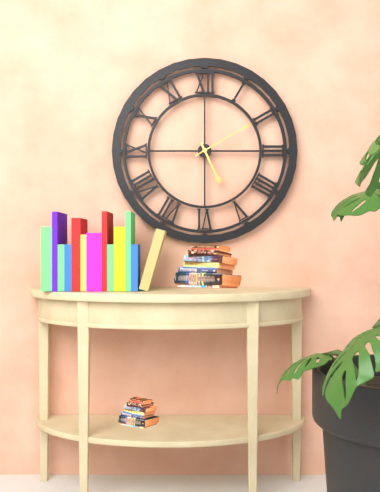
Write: 5h10
